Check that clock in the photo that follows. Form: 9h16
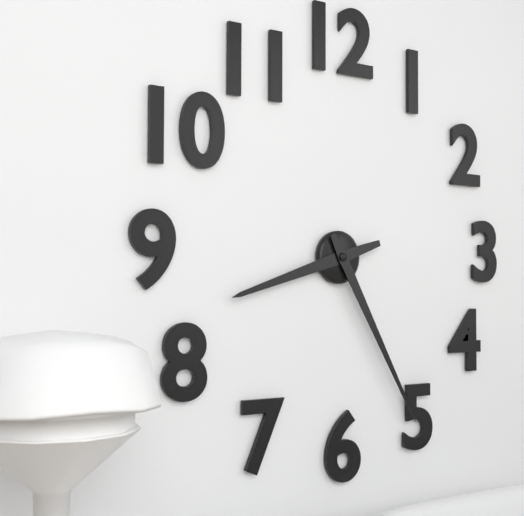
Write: 8h25
